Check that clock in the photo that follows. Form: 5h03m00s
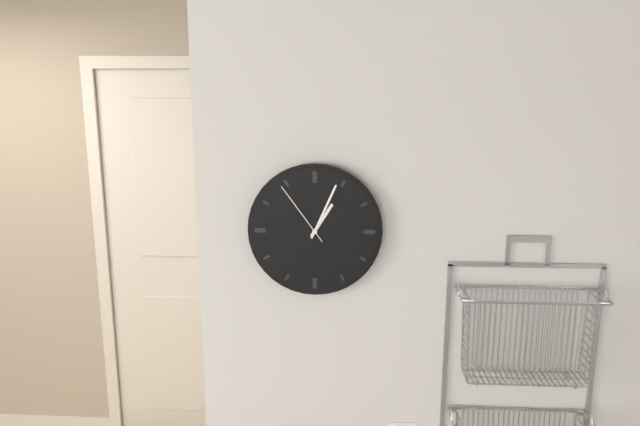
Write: 1h04m54s
